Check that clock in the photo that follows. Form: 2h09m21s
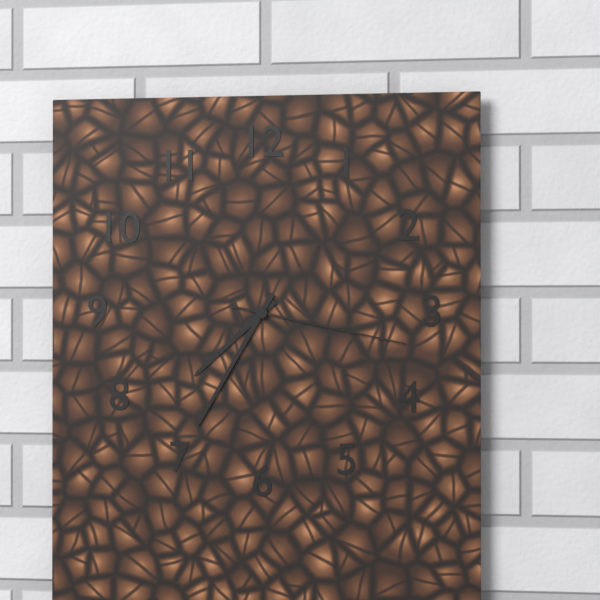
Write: 7h35m17s
